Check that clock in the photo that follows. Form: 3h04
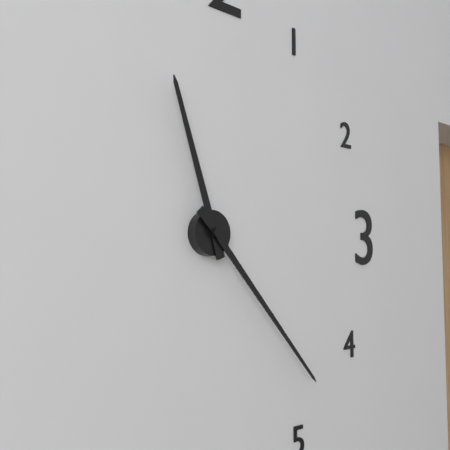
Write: 11h23
